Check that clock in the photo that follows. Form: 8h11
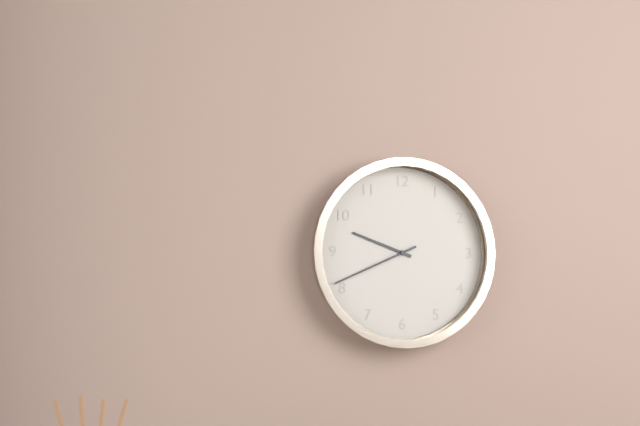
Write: 9h41
